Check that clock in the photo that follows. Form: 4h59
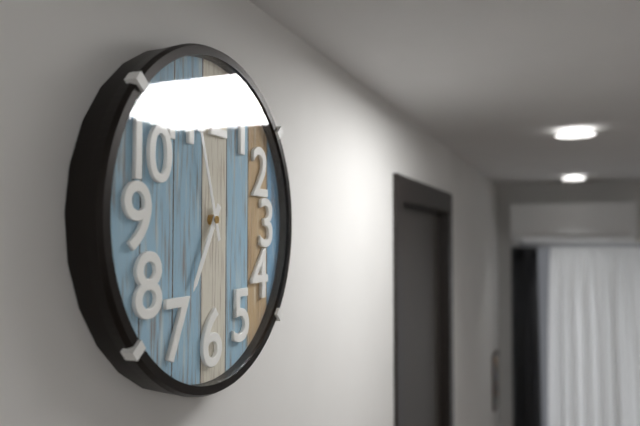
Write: 6h57
